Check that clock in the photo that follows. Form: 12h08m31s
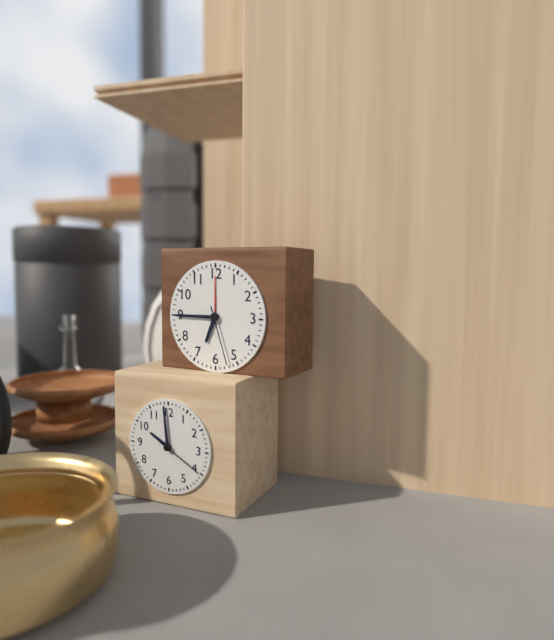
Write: 6h45m27s
